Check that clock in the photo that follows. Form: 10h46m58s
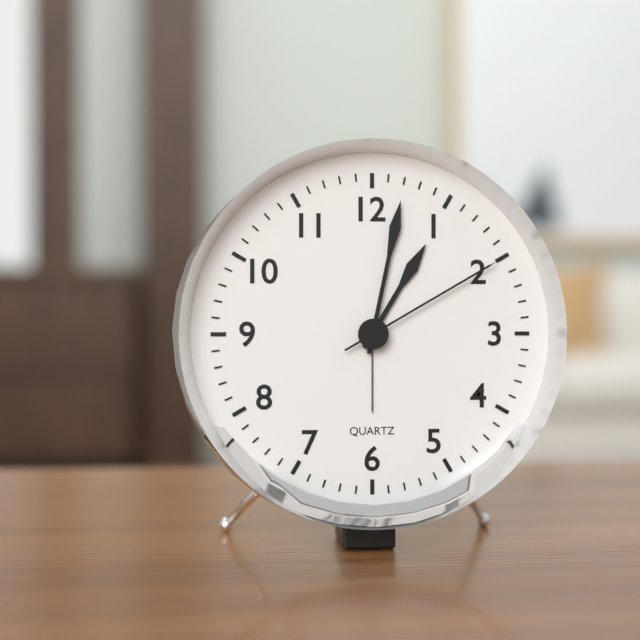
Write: 1h02m10s
